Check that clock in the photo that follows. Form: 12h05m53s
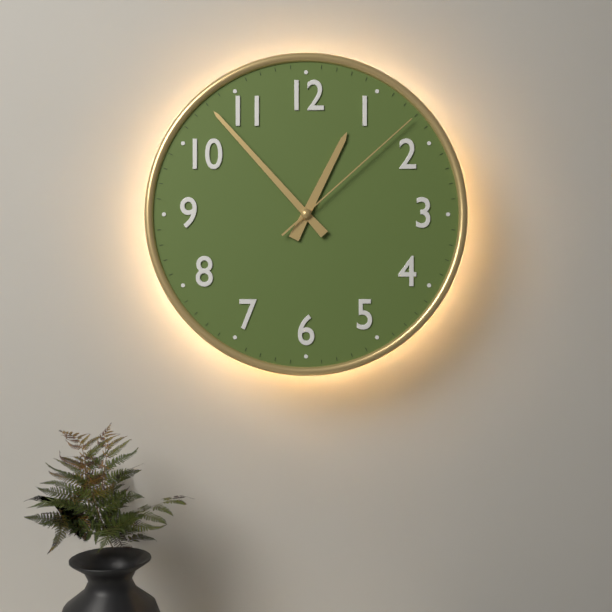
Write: 12h53m08s
